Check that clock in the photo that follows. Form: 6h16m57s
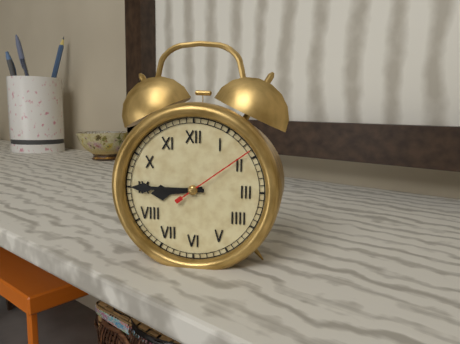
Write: 8h45m09s
